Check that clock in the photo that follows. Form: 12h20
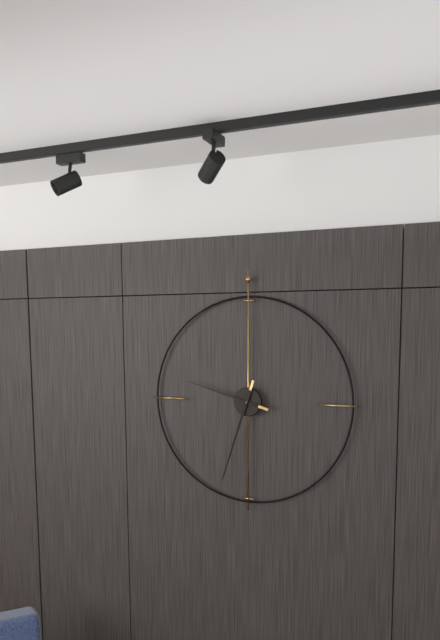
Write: 9h33
